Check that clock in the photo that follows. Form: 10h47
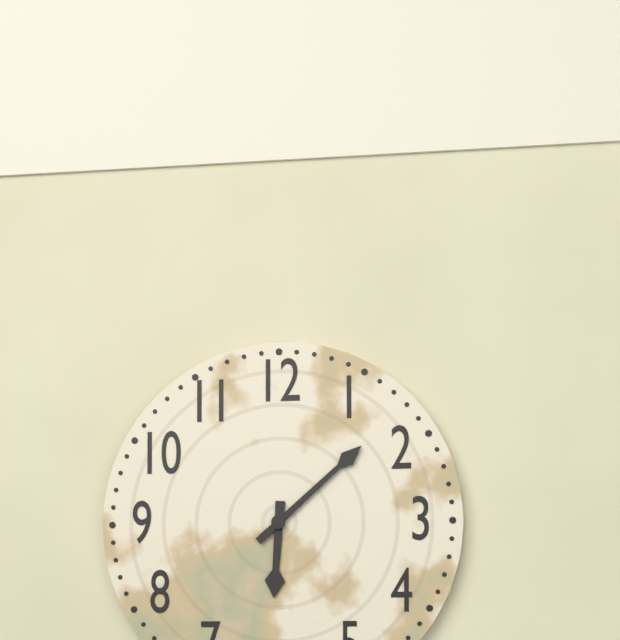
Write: 6h08
